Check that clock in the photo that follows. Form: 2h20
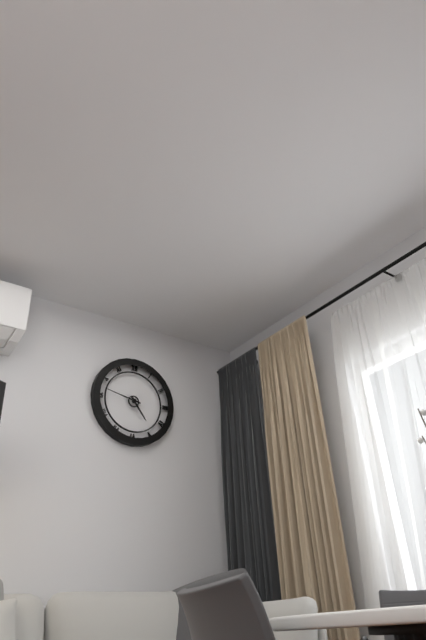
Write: 4h47
